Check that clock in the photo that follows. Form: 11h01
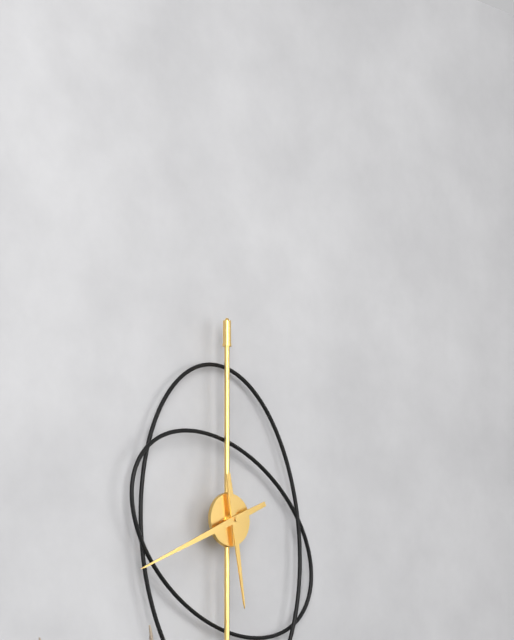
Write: 5h41
